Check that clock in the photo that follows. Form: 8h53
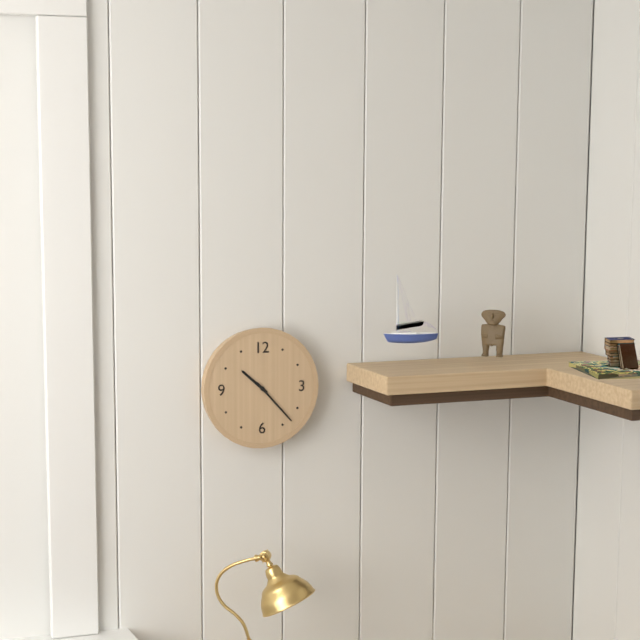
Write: 10h23
